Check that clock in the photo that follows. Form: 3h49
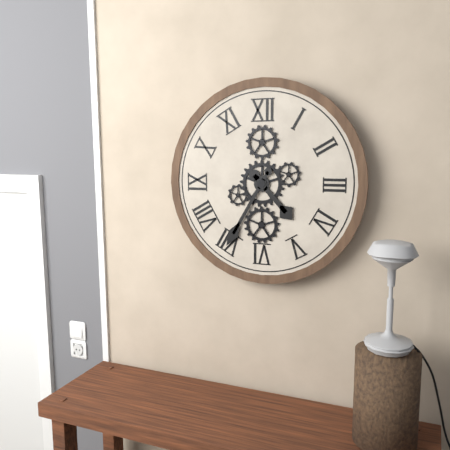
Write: 4h35
